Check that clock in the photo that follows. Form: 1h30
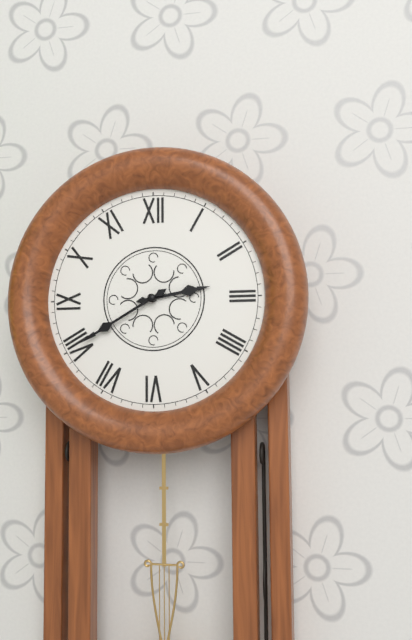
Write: 2h40
